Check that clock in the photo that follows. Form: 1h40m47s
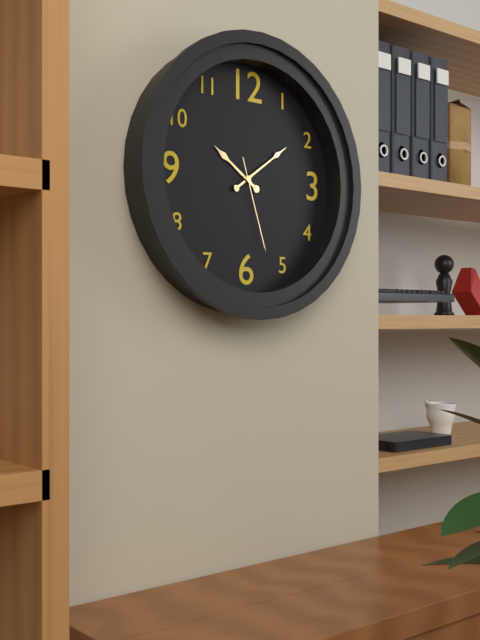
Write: 10h09m27s
